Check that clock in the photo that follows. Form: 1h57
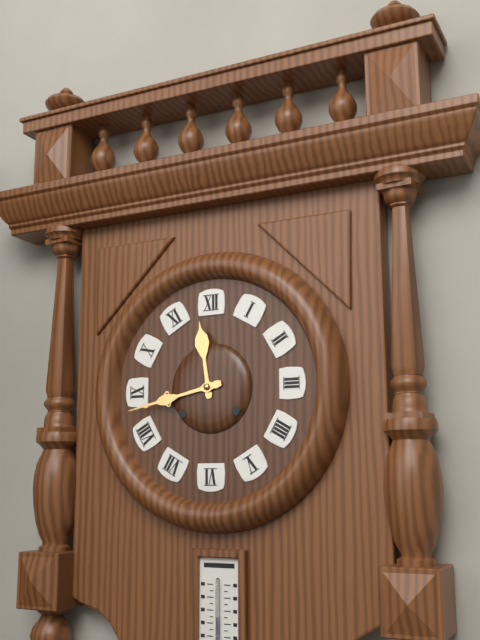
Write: 11h43
